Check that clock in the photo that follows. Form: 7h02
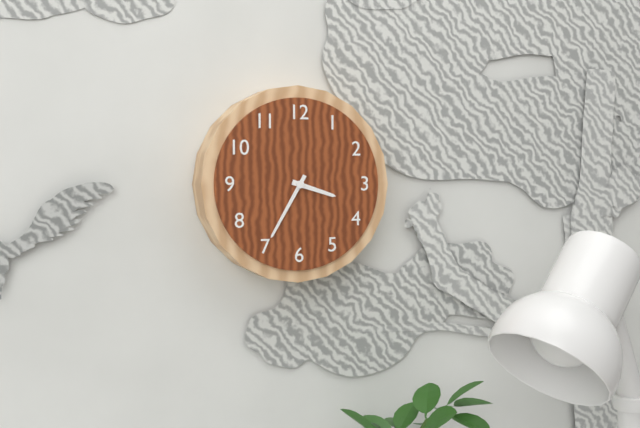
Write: 3h35
